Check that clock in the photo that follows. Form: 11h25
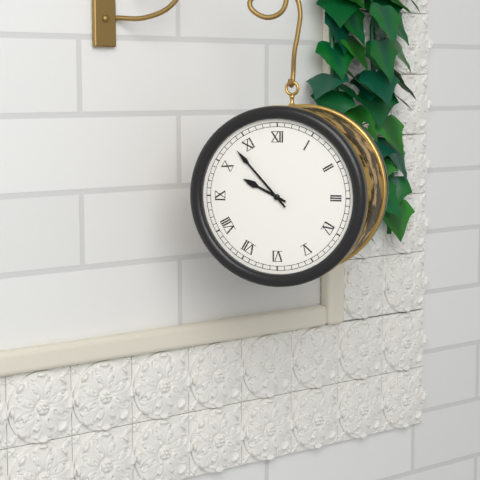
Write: 9h53
